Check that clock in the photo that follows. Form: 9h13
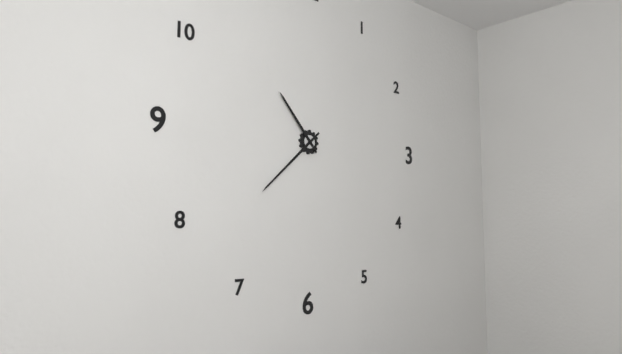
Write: 10h38
